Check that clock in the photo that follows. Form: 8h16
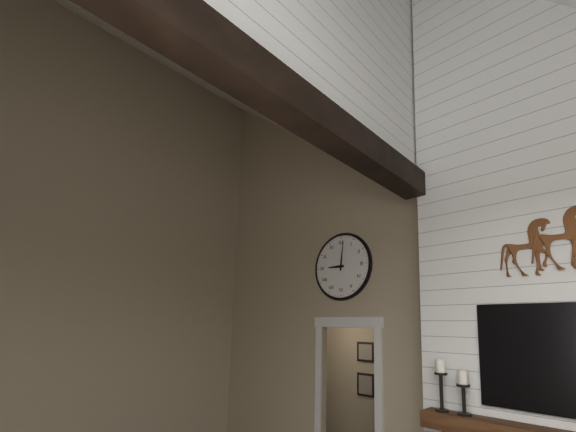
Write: 9h01
